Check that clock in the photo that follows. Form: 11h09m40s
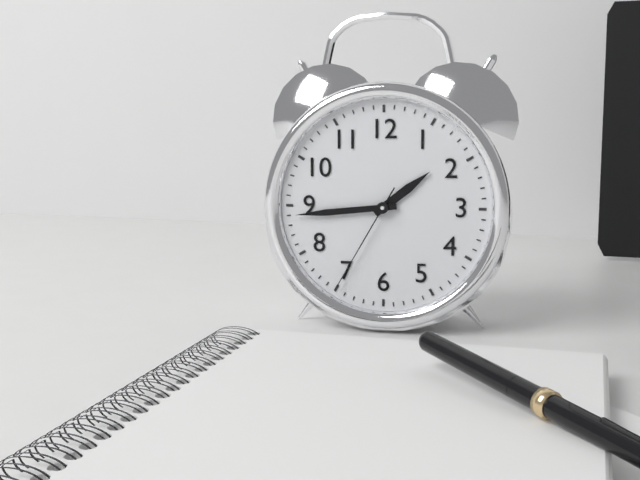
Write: 1h44m35s
